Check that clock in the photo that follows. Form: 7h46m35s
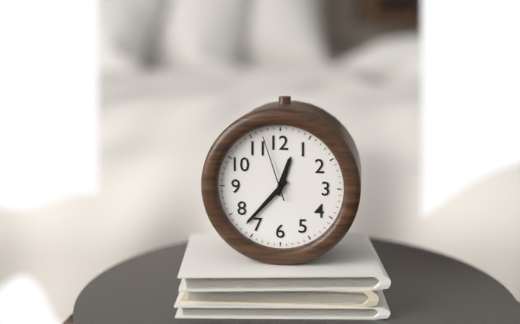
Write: 12h37m57s
